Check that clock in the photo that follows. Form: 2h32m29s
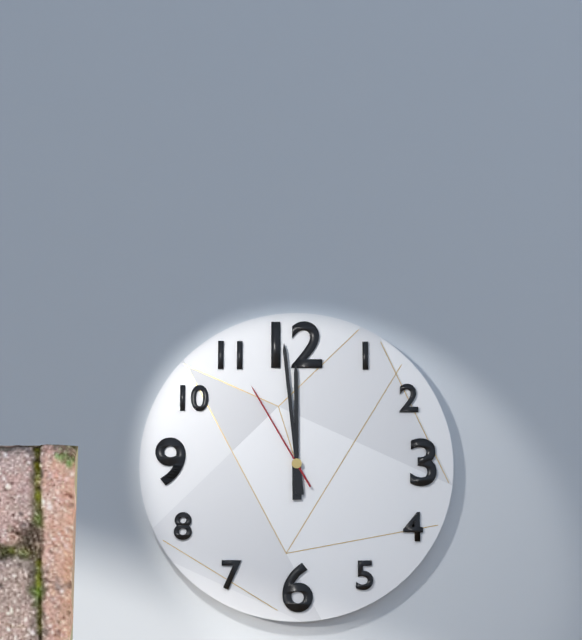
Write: 11h59m55s
